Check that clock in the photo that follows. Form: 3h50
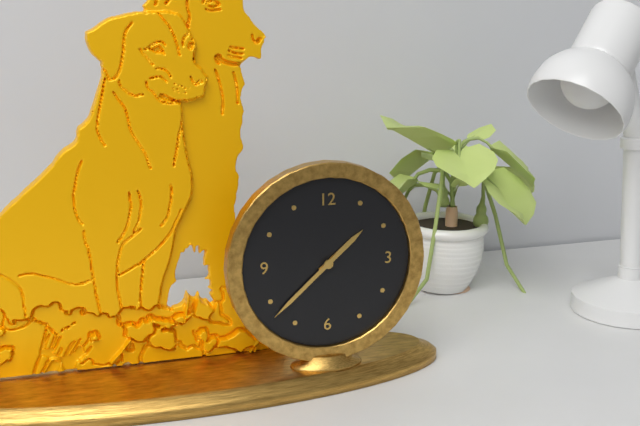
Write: 1h38
